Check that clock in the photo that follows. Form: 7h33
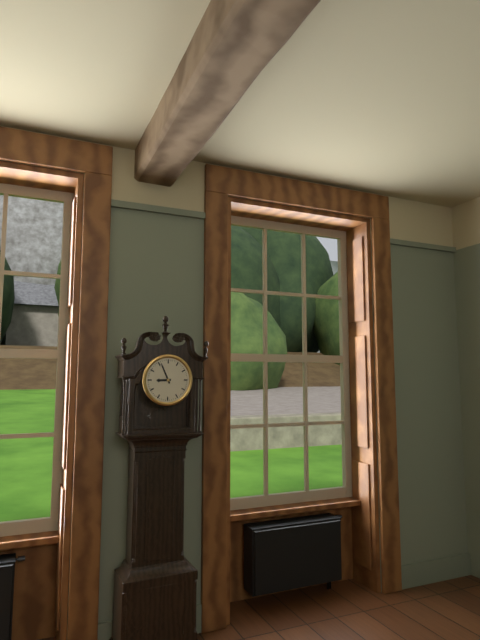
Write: 8h56
